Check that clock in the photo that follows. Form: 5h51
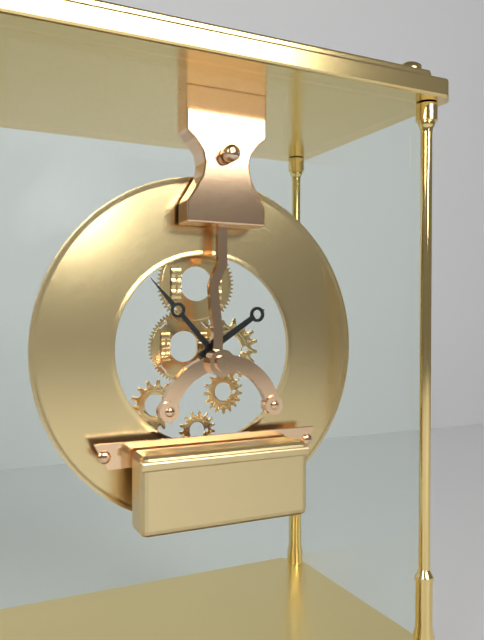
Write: 1h53
